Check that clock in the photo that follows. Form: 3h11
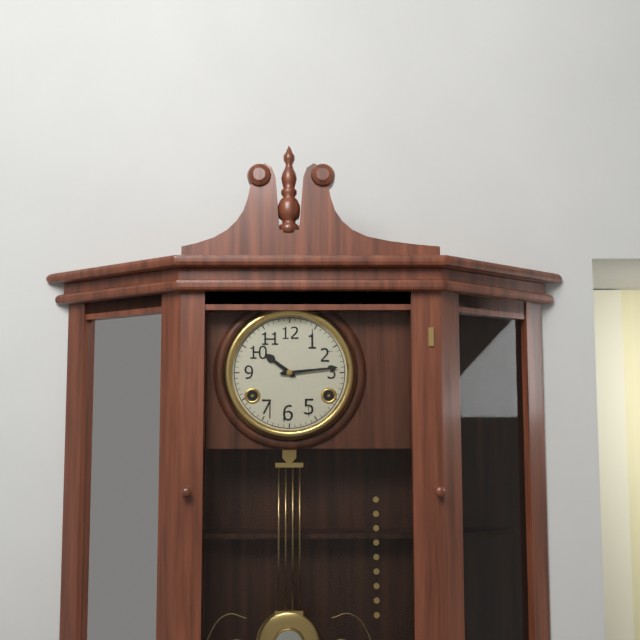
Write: 10h14
